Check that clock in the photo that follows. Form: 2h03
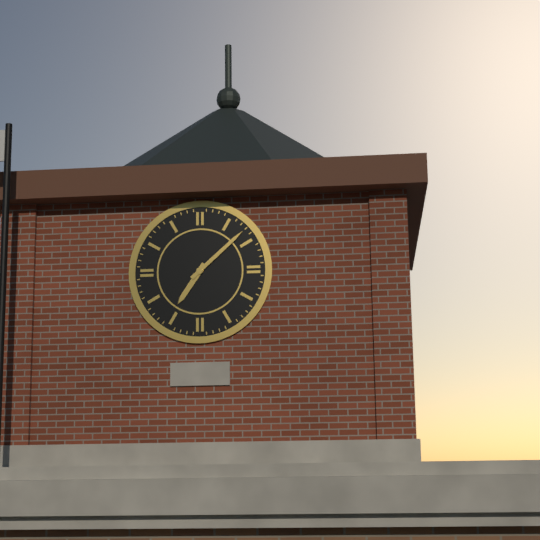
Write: 7h08
